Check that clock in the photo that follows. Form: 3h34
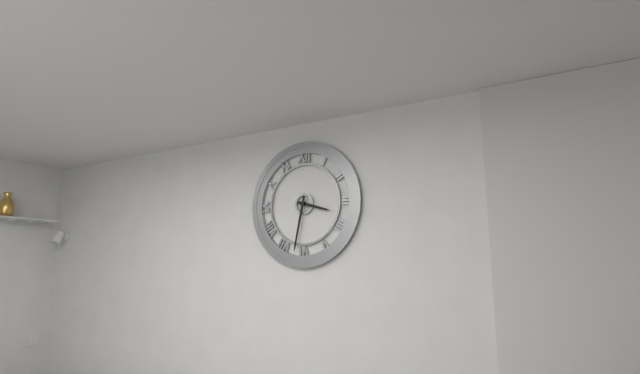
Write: 3h32
